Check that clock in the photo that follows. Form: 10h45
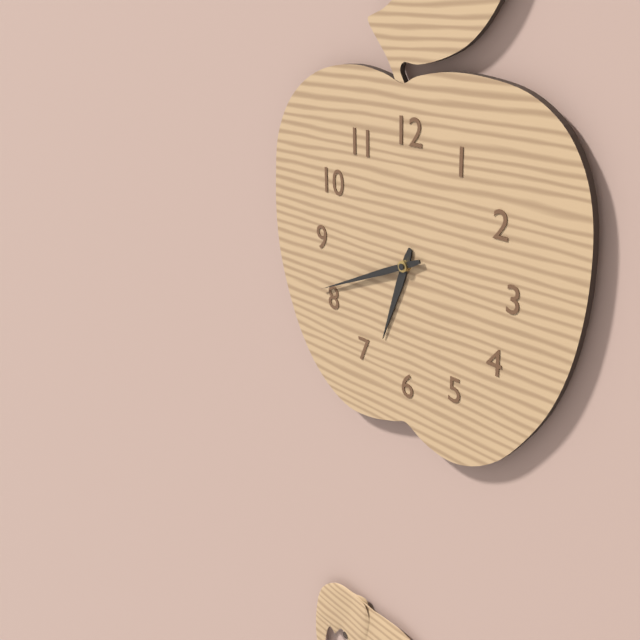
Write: 6h41
